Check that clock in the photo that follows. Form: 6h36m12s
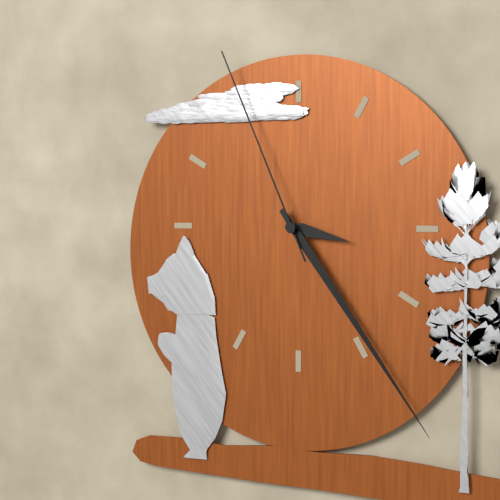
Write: 3h24m56s
